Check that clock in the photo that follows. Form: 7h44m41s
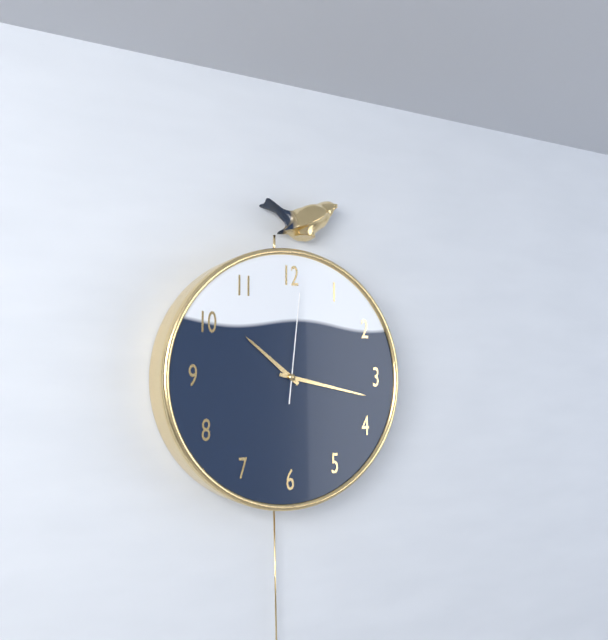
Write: 10h17m01s
